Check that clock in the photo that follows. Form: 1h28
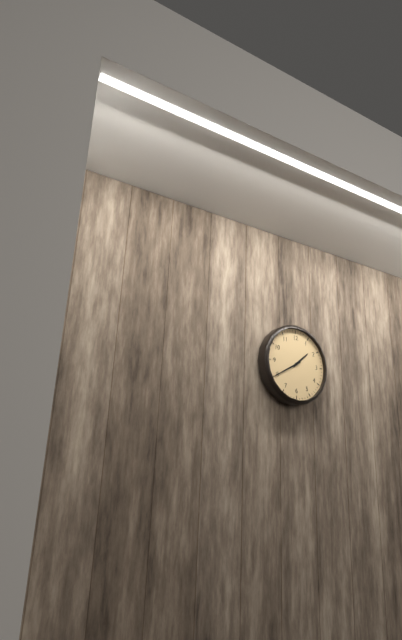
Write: 1h40
